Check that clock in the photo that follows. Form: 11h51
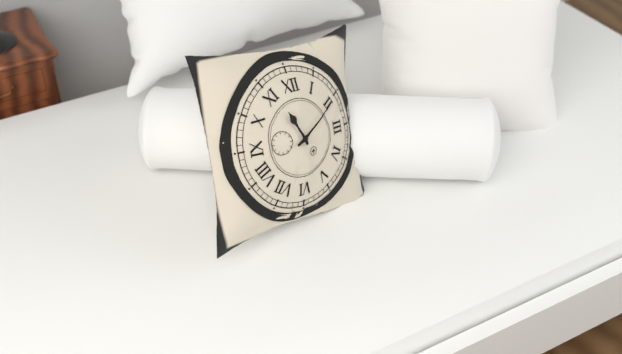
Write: 11h10
